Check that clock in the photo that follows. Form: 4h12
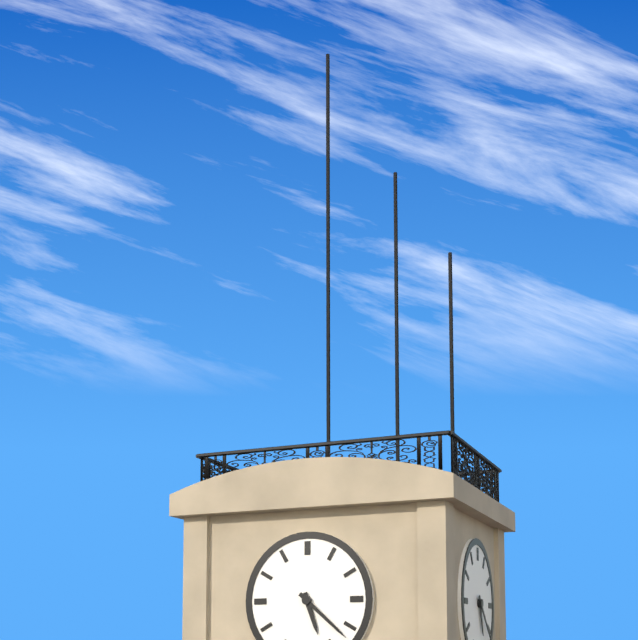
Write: 5h22
